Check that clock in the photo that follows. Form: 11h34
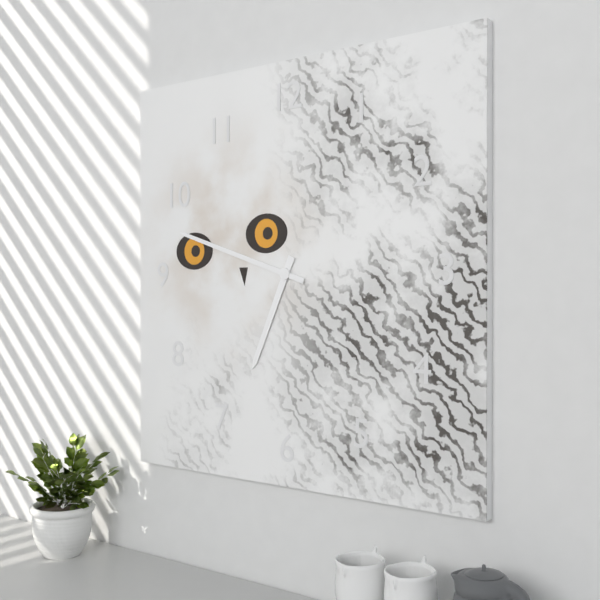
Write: 6h48
